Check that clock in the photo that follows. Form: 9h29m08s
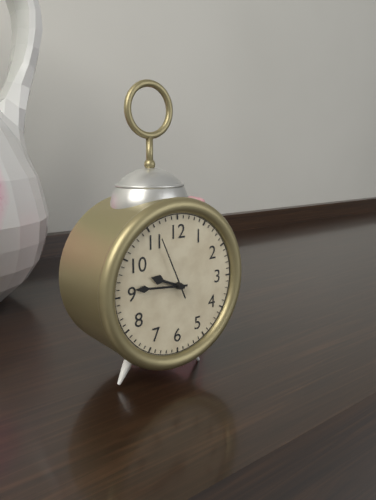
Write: 9h46m56s
